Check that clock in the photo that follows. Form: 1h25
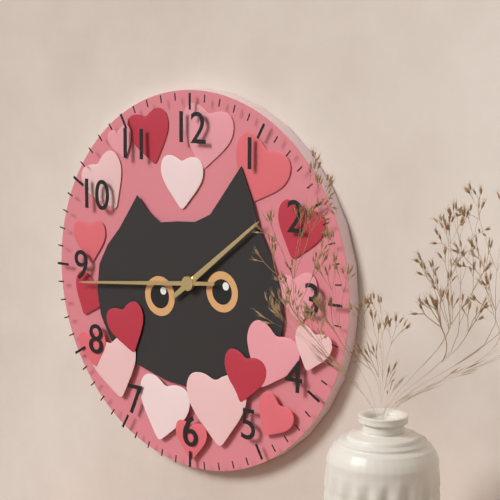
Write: 1h44
